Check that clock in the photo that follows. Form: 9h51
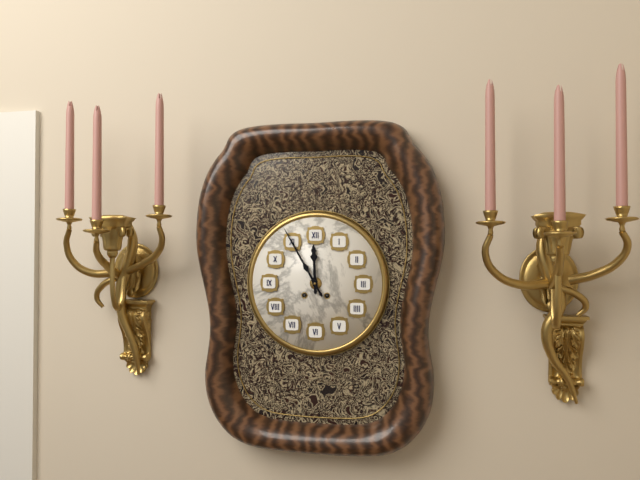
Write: 11h55
